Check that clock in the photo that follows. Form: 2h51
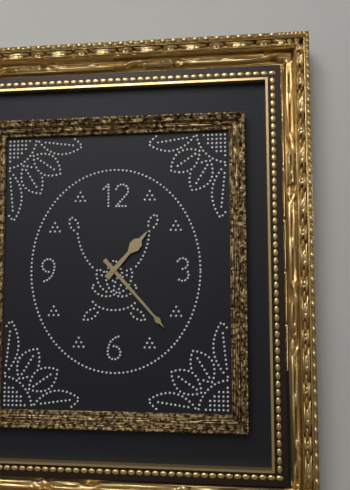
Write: 1h23
